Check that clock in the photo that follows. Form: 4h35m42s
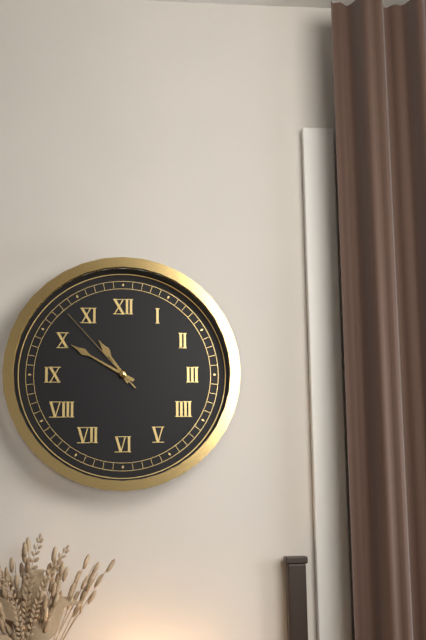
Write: 10h50m53s
